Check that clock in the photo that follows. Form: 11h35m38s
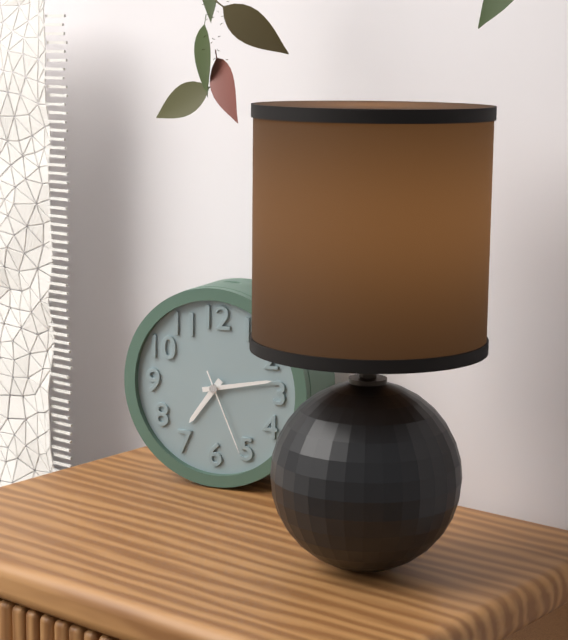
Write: 7h13m26s
